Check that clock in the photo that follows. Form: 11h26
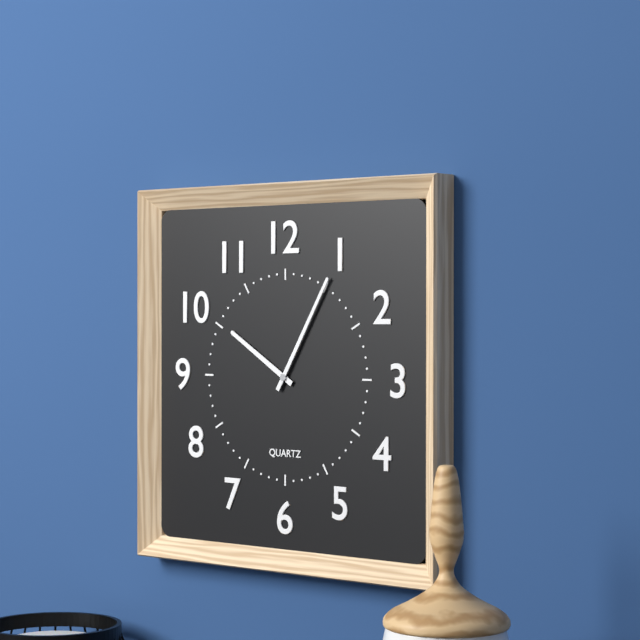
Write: 10h05
